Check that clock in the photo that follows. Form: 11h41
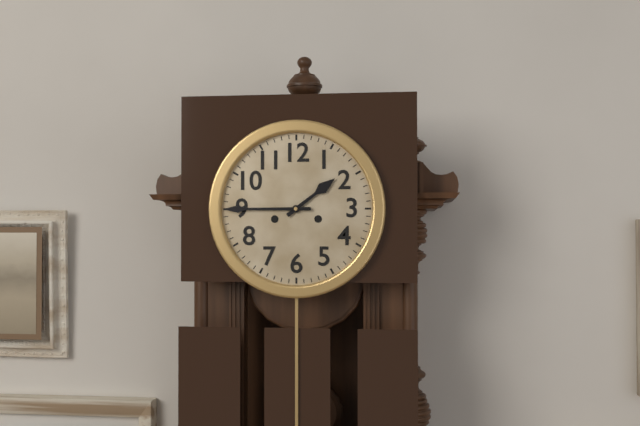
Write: 1h45
